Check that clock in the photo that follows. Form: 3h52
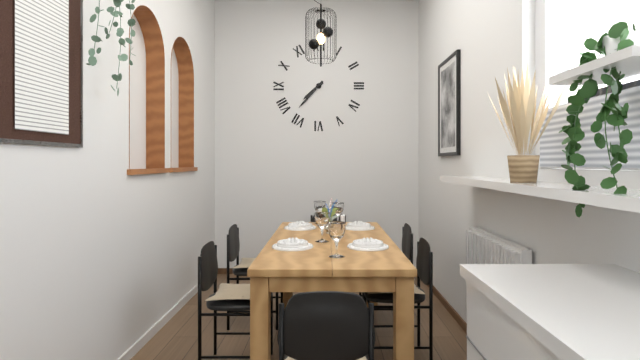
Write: 7h37
